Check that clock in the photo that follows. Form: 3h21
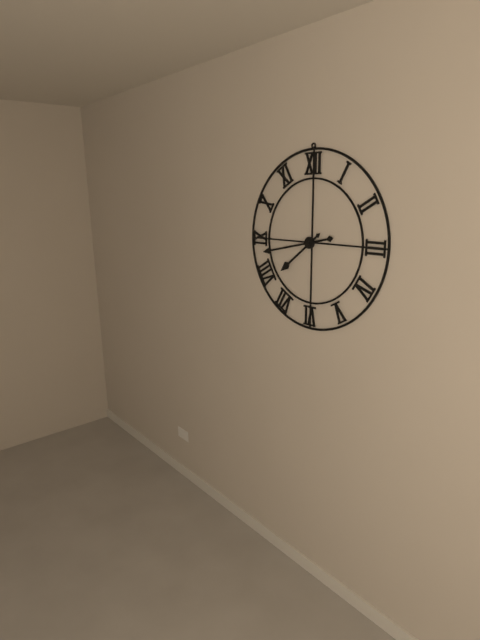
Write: 7h43
